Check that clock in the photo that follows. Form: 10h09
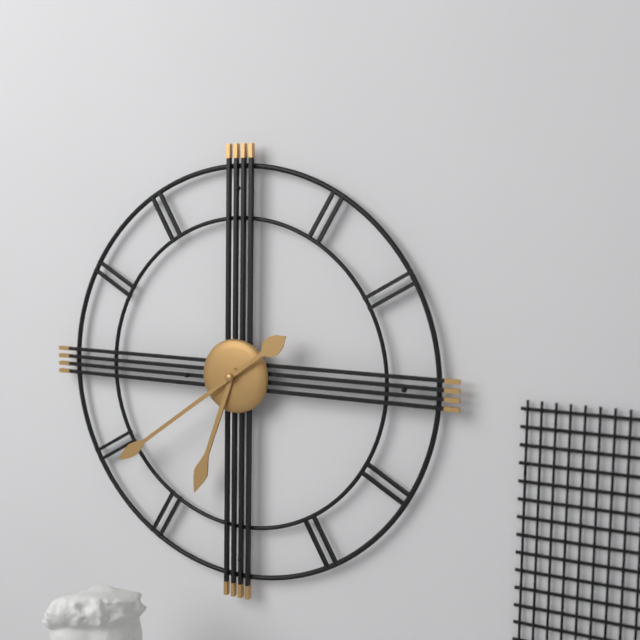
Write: 6h39
